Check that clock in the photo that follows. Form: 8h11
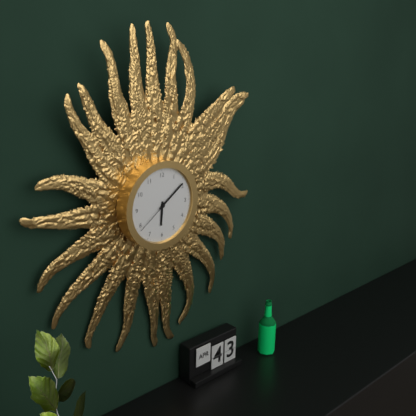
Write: 6h09
